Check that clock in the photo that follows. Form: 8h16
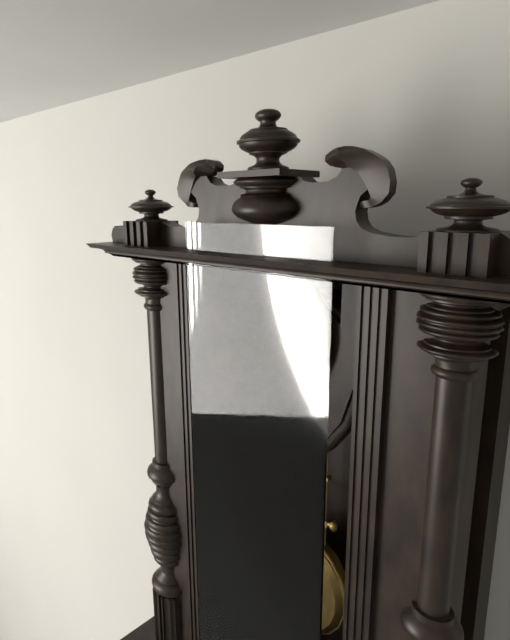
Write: 8h06
